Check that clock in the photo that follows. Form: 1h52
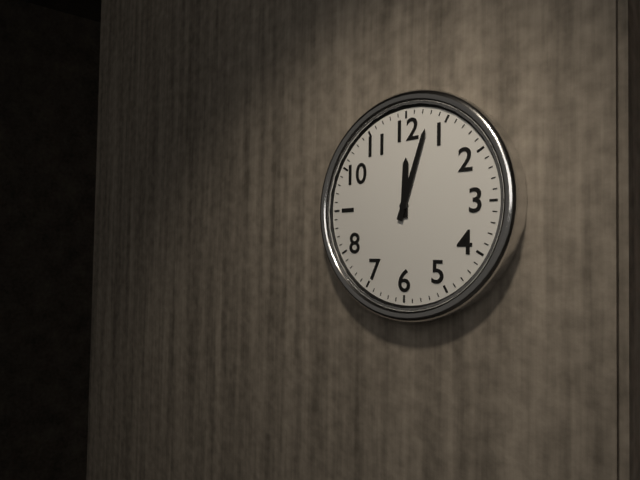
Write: 12h03
